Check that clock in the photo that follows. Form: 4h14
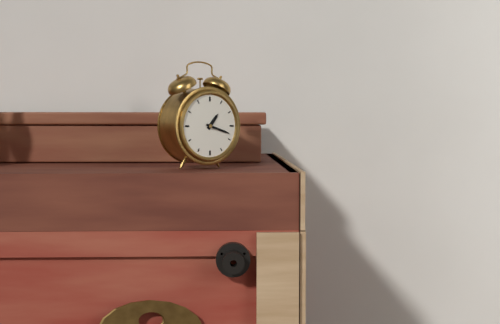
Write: 1h18
